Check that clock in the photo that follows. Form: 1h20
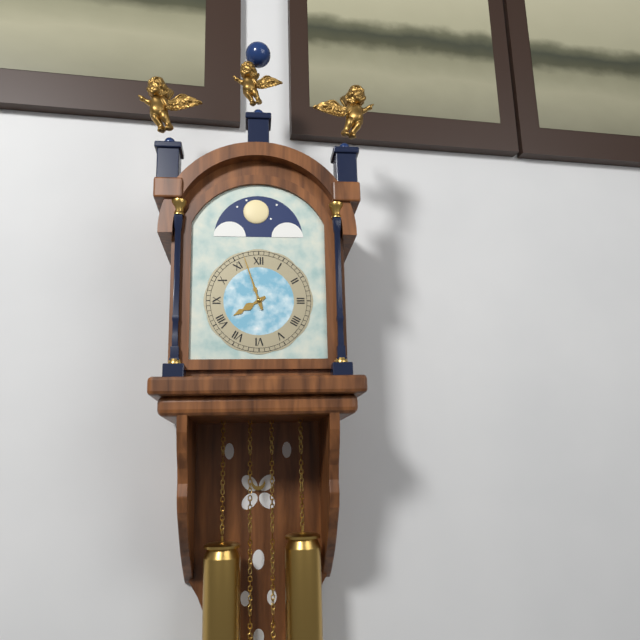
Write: 7h57
